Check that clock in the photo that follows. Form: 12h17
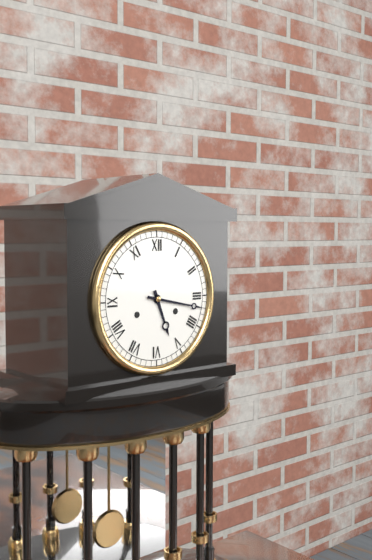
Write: 5h17
